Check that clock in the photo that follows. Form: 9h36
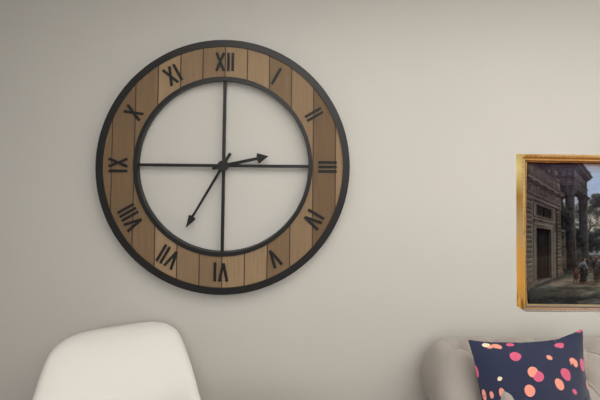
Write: 2h35
